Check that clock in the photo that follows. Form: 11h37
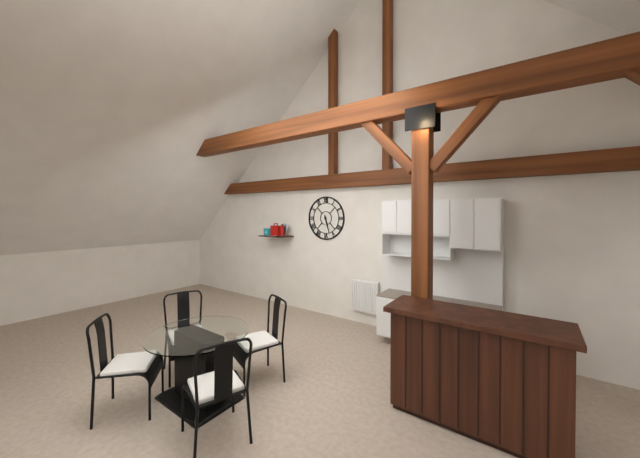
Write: 5h27
